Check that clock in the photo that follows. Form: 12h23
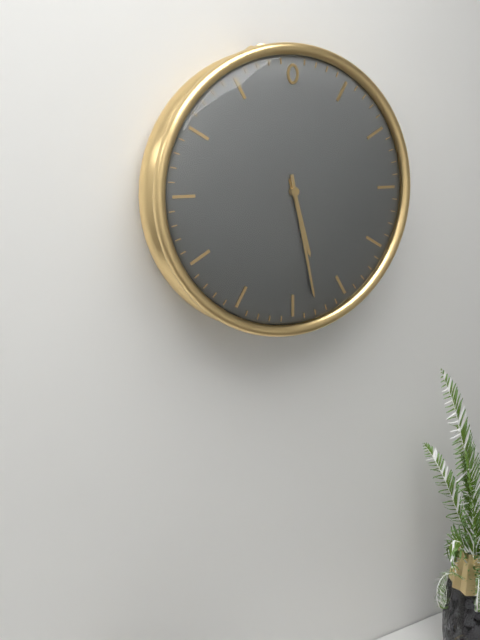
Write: 5h28
